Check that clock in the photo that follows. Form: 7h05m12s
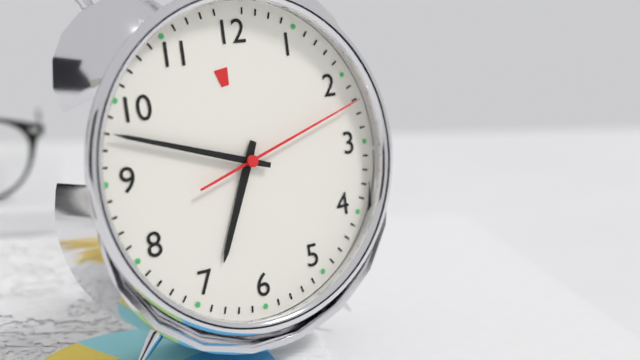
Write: 6h48m12s
